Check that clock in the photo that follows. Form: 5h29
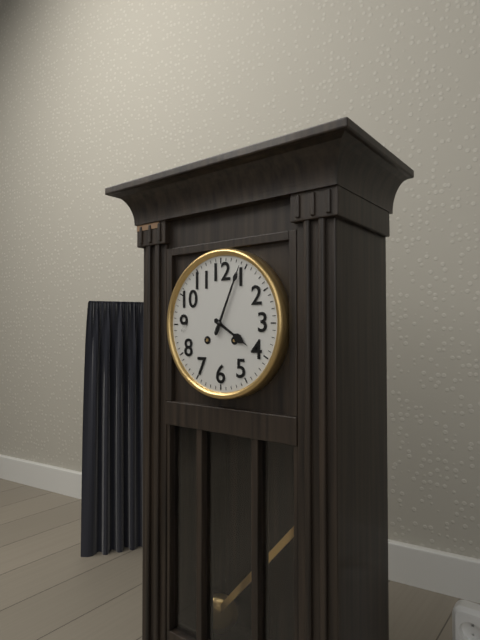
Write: 4h04
